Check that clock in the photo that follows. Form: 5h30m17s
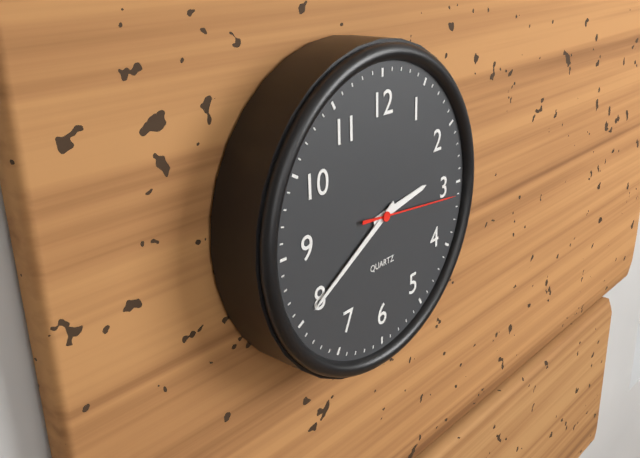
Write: 2h40m16s
